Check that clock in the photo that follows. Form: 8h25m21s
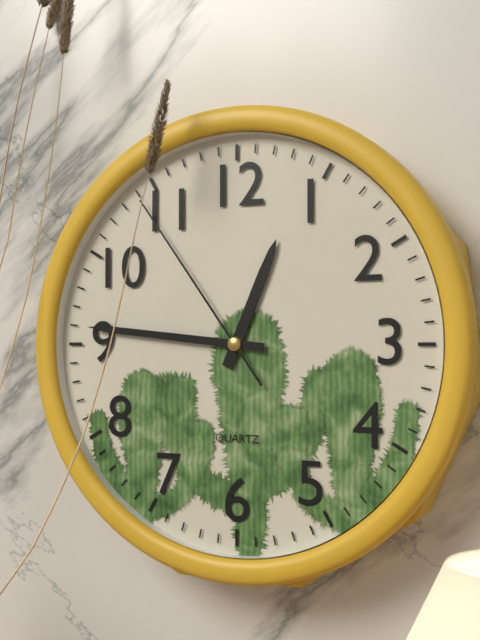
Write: 12h46m54s
